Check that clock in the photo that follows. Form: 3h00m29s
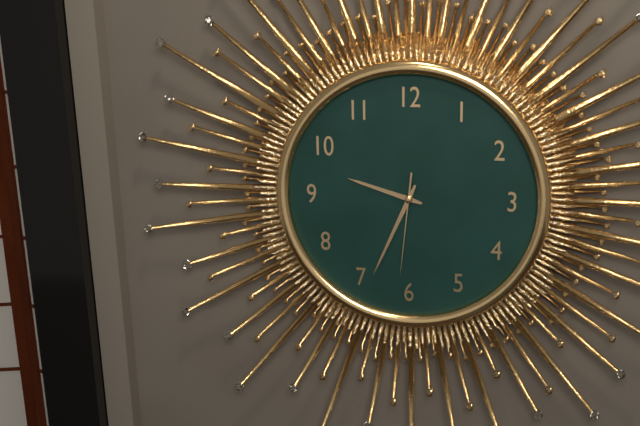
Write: 9h34m31s
